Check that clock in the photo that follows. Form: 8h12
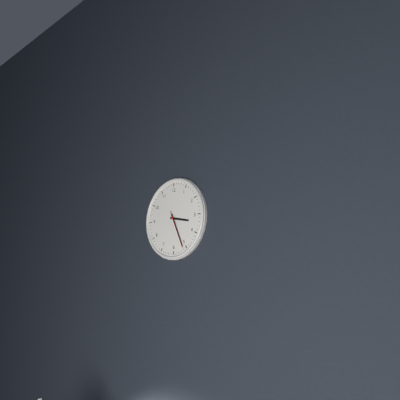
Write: 3h26
